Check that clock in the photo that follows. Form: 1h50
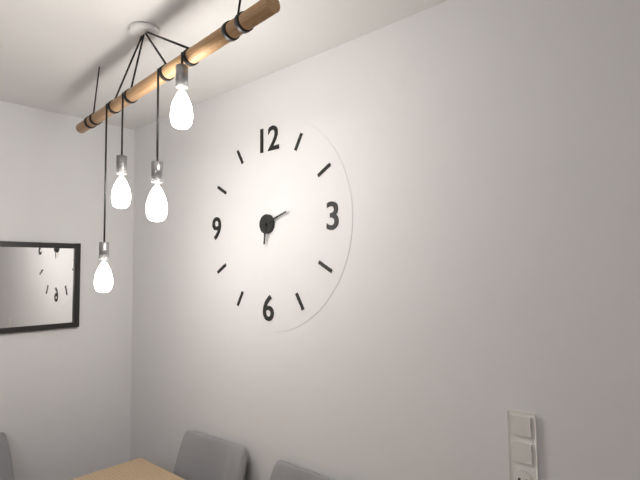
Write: 6h12
